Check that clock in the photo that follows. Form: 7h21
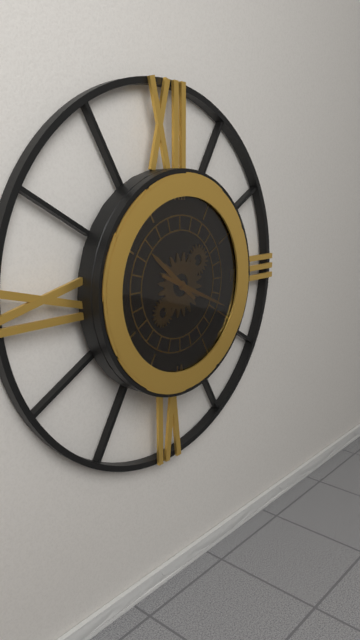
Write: 10h19
